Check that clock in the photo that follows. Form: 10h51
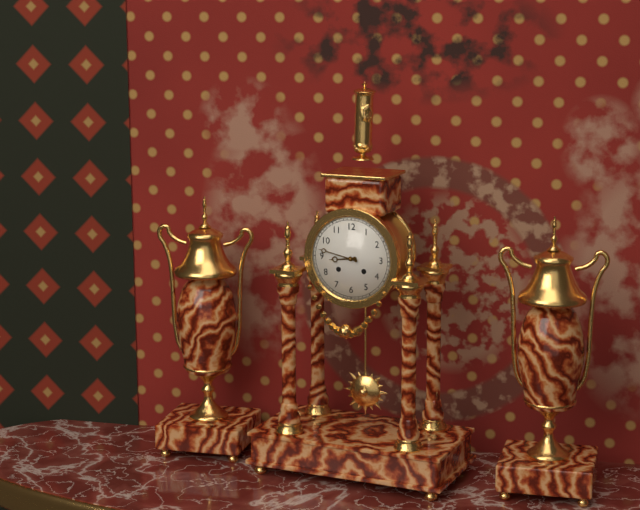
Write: 8h47
